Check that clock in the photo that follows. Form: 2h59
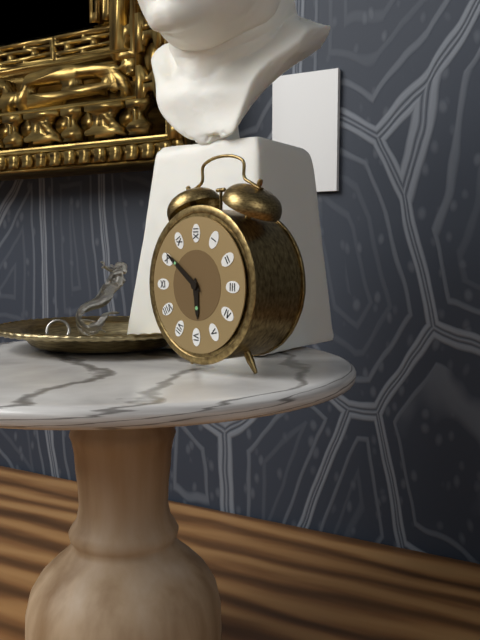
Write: 5h51
